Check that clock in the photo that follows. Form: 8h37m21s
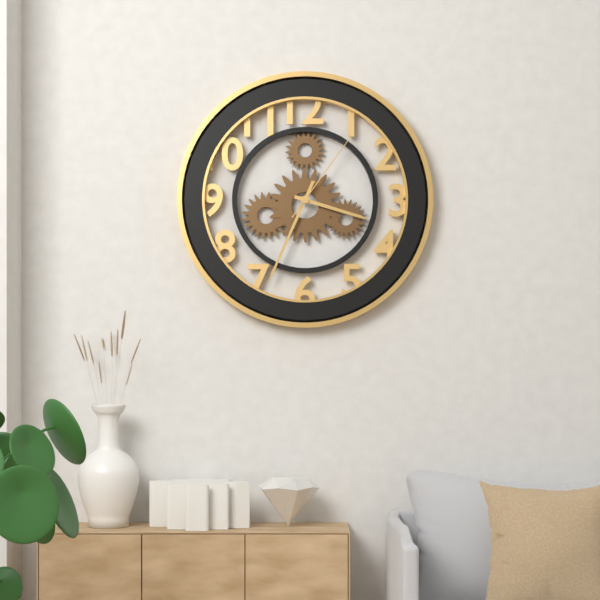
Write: 3h34m06s
